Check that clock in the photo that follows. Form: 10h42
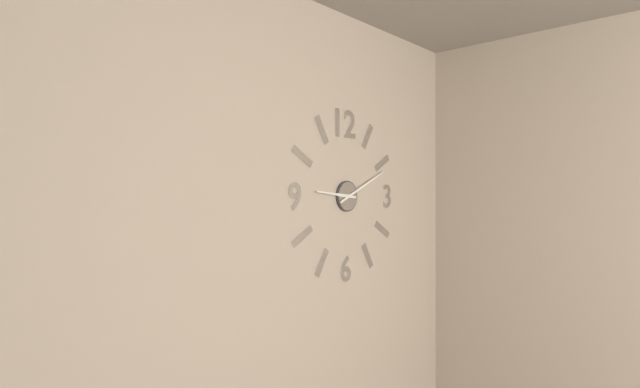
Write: 9h11
